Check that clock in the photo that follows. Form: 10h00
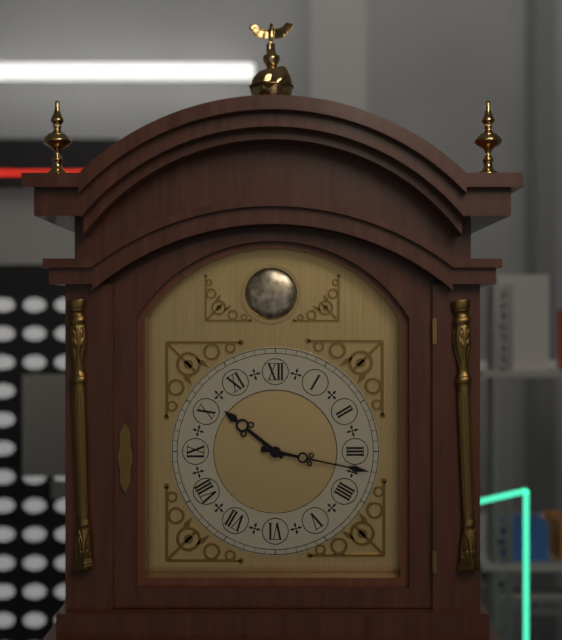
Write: 10h17
